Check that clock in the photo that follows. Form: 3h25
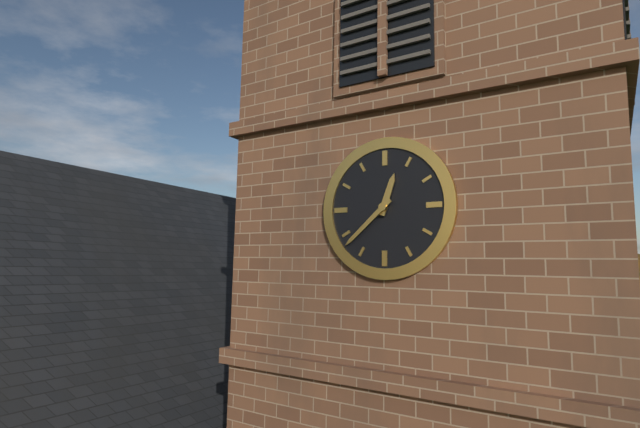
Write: 12h38
